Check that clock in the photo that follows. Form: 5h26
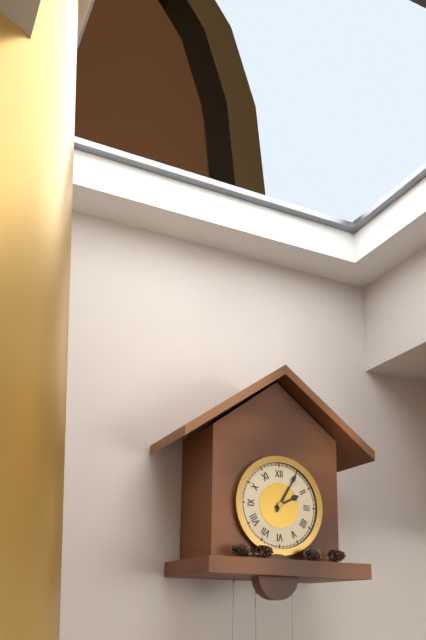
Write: 2h05
